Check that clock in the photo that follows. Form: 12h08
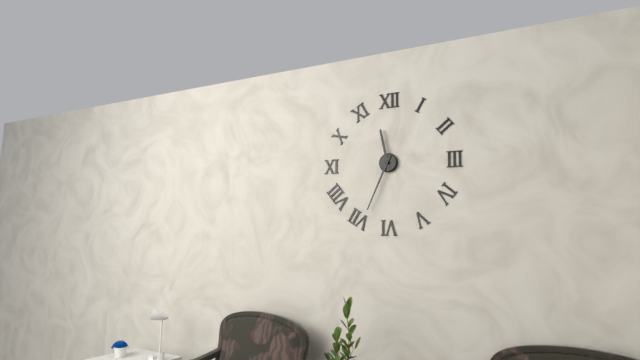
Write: 11h34
